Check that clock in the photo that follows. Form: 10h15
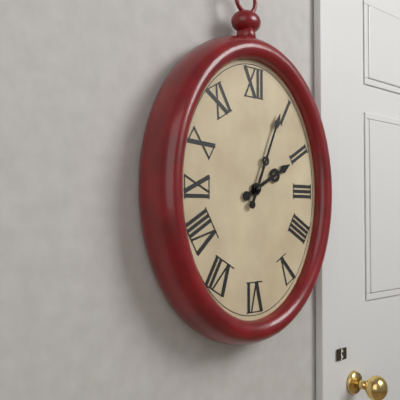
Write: 2h04
